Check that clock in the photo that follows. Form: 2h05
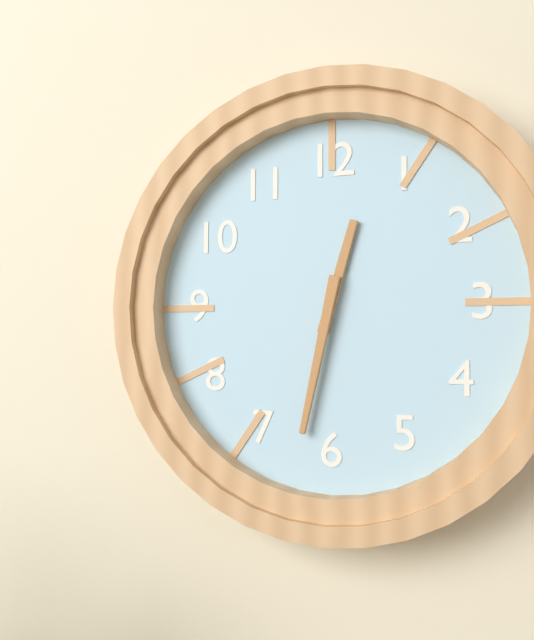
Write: 12h32
